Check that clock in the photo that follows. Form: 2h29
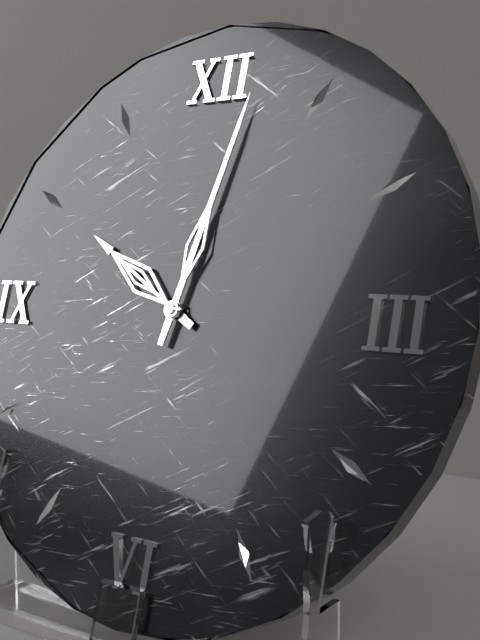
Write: 10h02
